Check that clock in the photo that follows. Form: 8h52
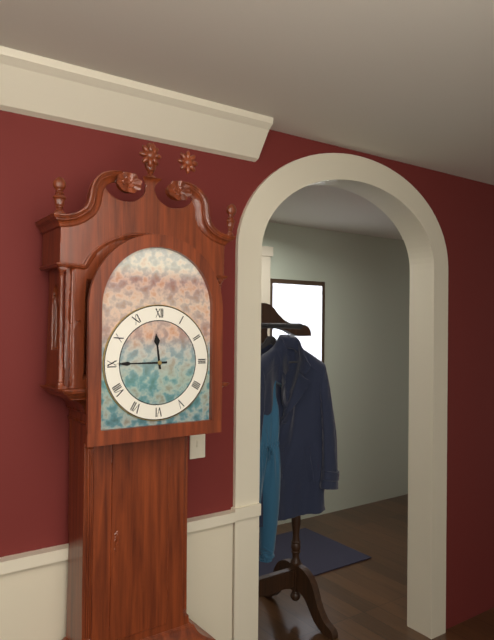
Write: 11h45
